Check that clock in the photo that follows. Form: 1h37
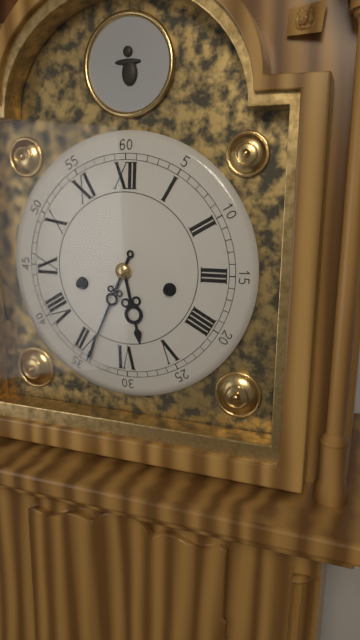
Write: 5h34
